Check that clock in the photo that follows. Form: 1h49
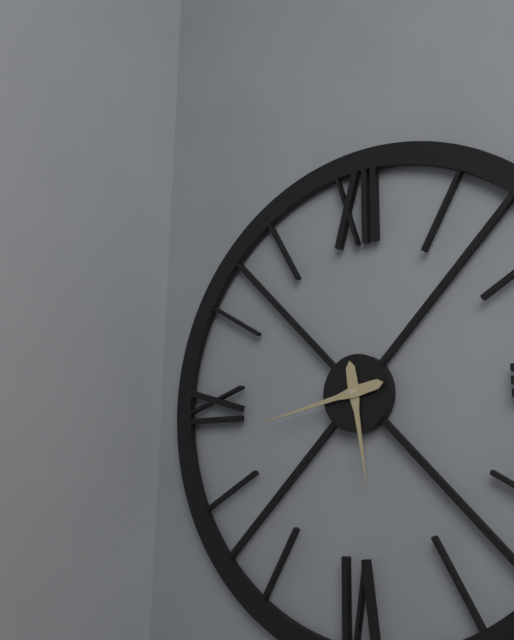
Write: 5h43
